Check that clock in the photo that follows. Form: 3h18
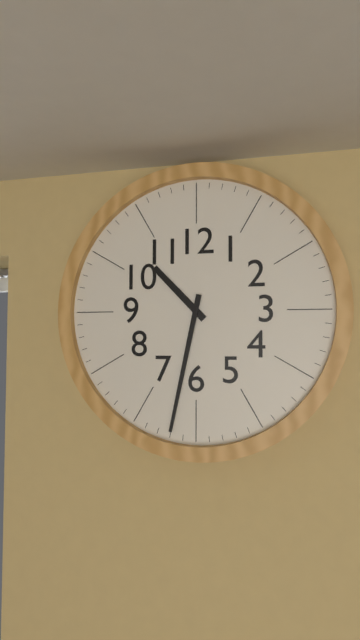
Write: 10h32
